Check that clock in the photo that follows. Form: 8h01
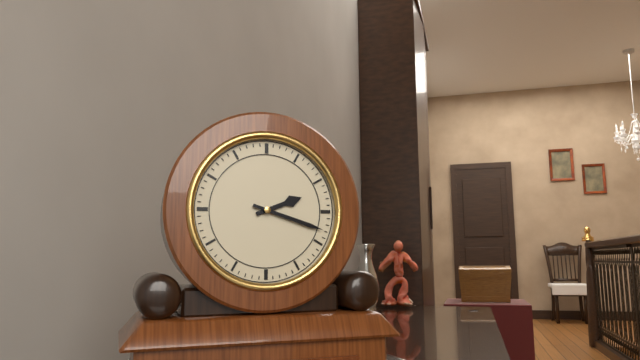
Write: 2h18
